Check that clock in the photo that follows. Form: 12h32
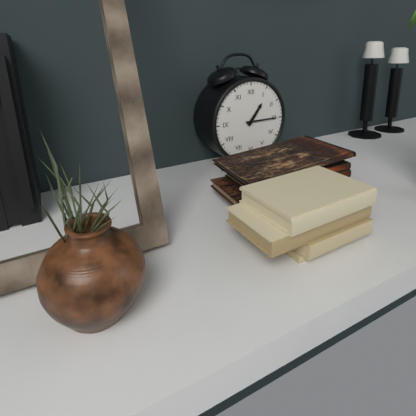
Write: 1h15
